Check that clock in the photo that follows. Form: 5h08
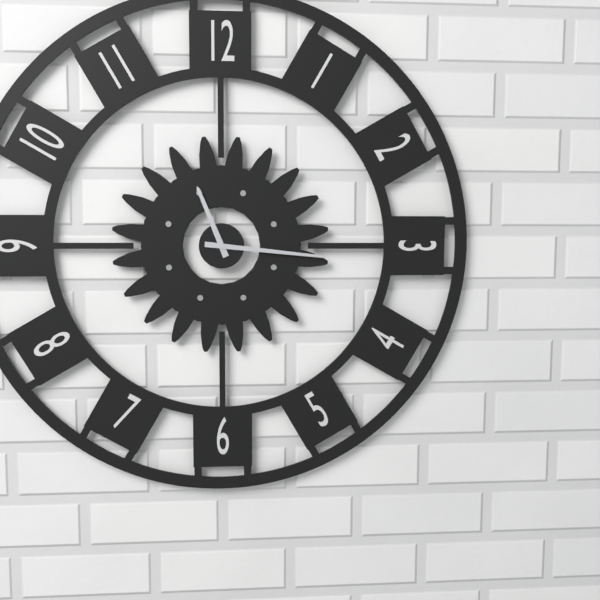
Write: 11h16
